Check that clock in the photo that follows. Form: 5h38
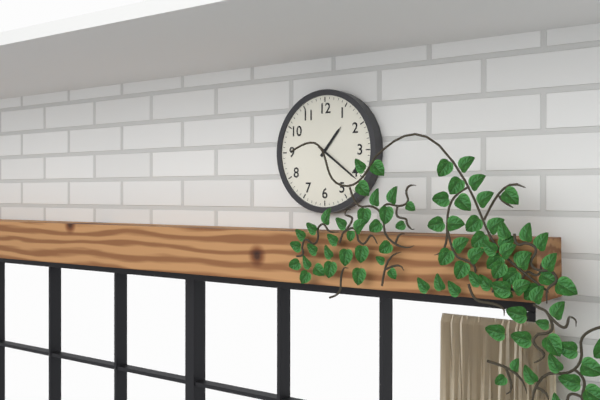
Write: 1h21
